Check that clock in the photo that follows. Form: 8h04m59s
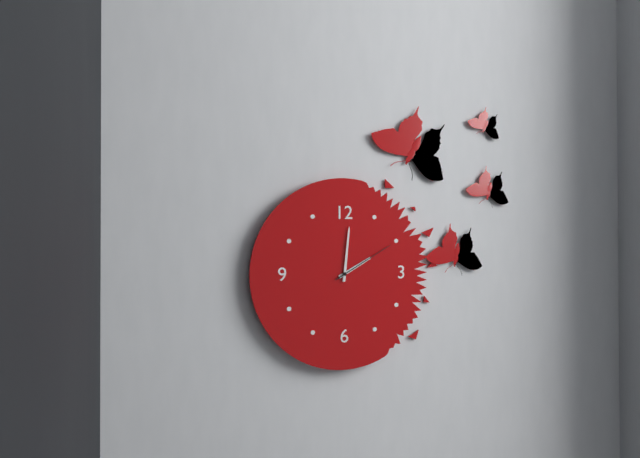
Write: 2h01m10s
